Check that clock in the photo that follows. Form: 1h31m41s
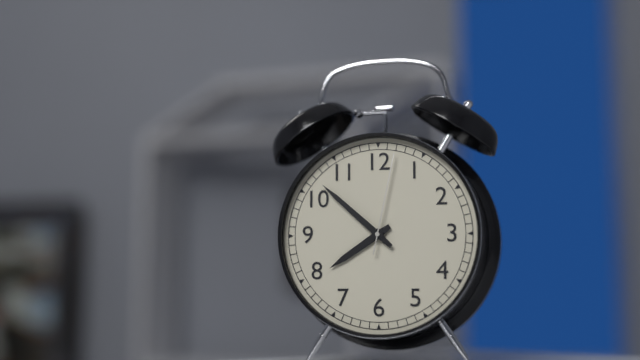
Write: 7h52m02s
